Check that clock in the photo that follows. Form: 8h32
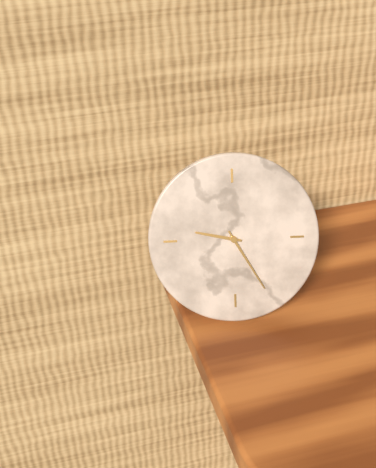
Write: 9h25
